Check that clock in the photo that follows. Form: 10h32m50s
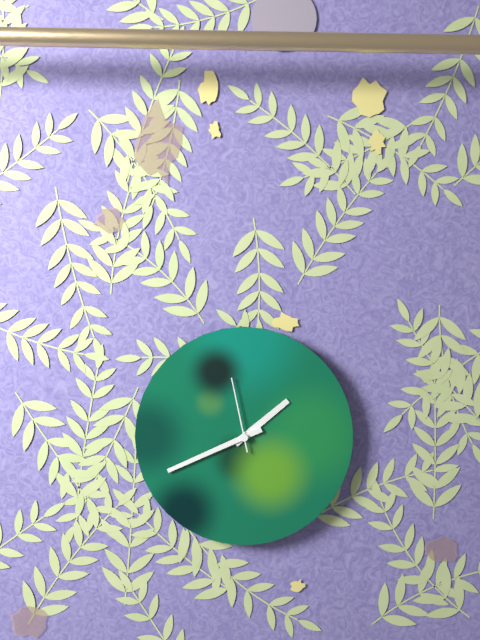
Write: 1h41m58s
